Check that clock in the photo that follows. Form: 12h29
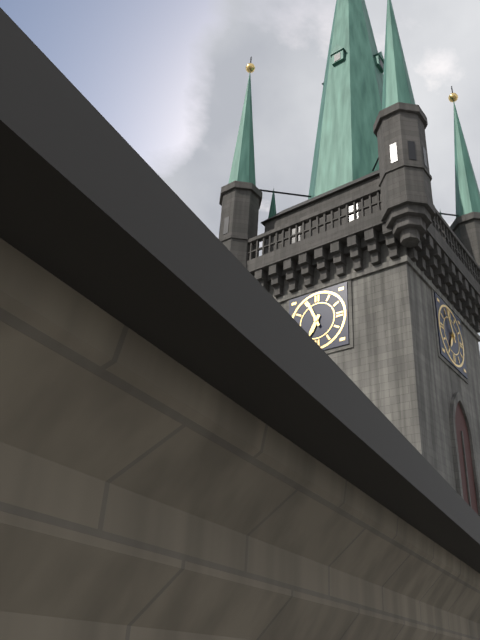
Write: 6h56
